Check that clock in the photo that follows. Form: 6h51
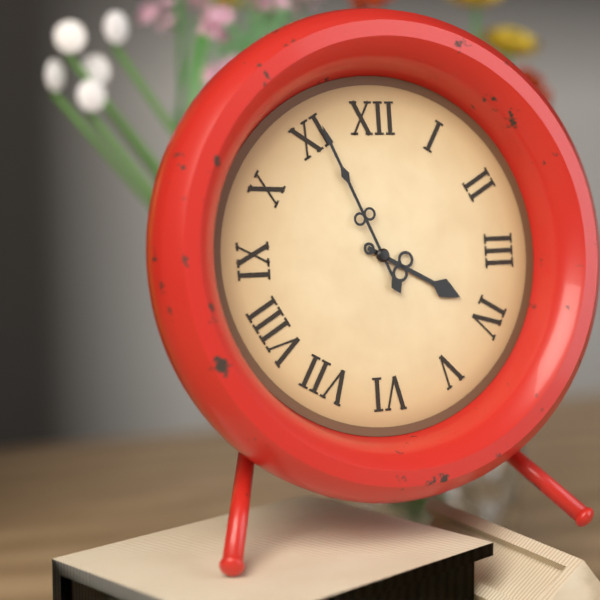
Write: 3h56
